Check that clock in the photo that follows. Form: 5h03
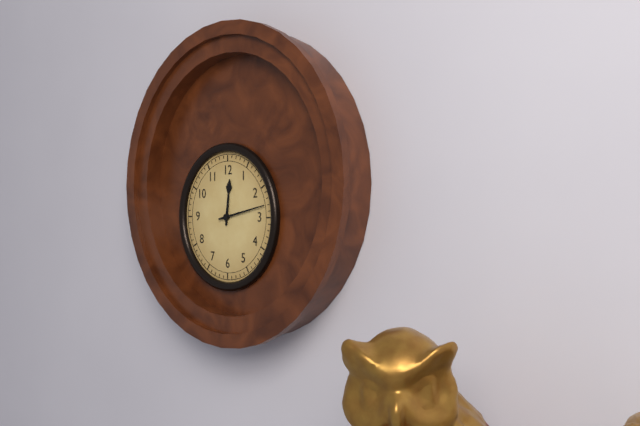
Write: 12h13
